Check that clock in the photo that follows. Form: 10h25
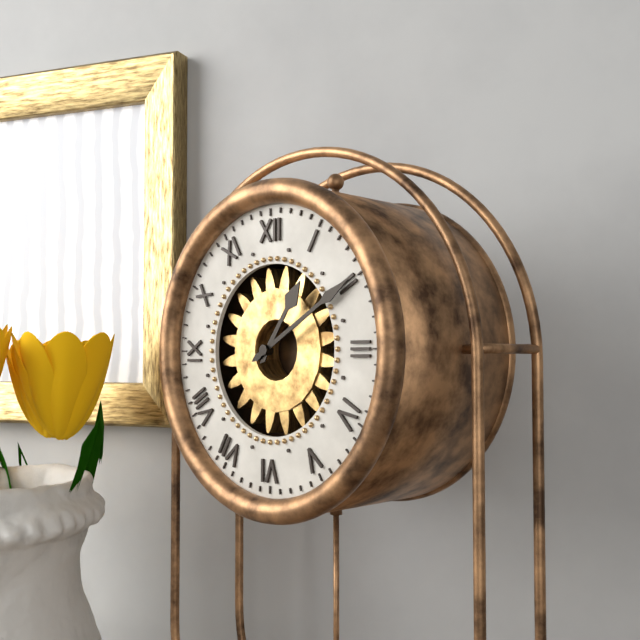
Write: 1h10
